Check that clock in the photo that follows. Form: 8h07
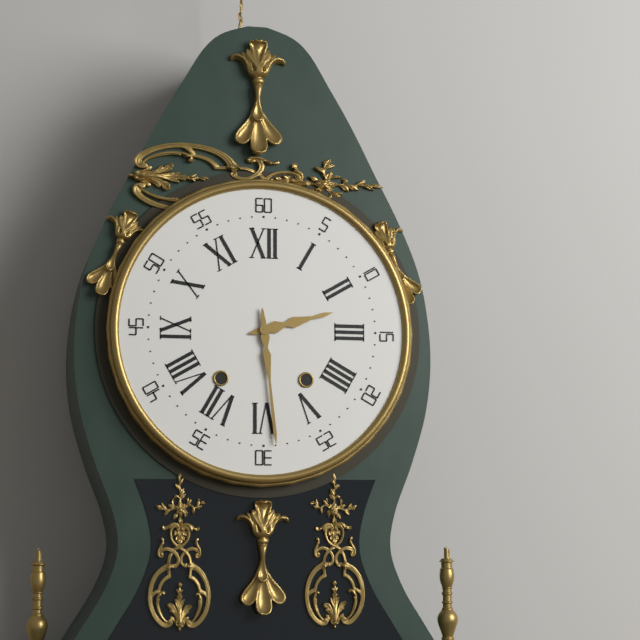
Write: 2h29
